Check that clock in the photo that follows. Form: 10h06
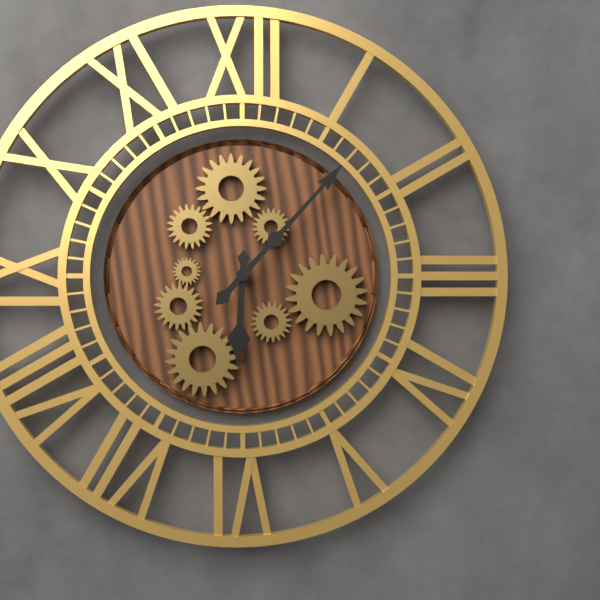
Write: 6h07
